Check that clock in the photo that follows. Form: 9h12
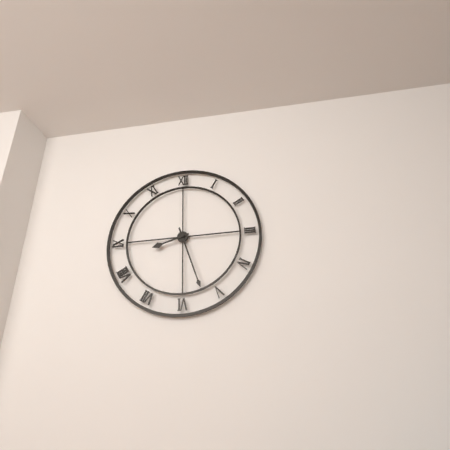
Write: 8h27
